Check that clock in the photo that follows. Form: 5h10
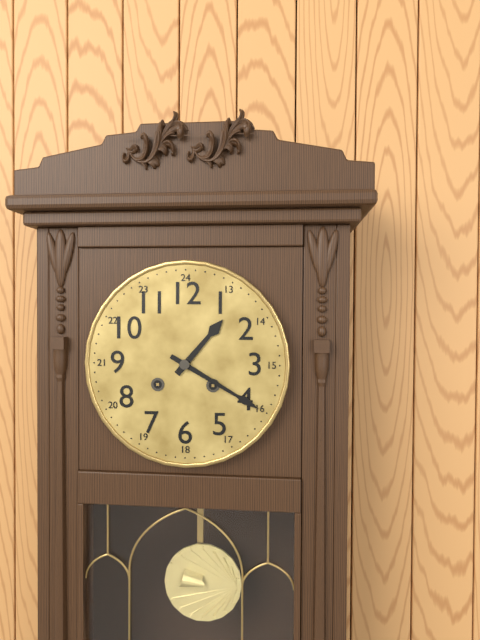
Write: 1h20
